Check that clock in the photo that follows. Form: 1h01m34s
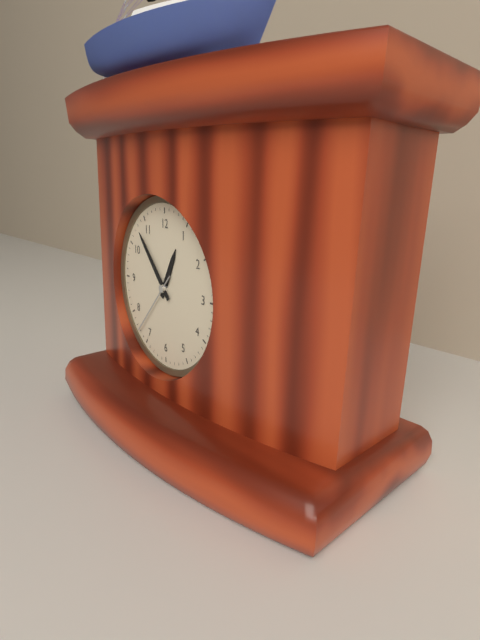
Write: 12h53m37s
